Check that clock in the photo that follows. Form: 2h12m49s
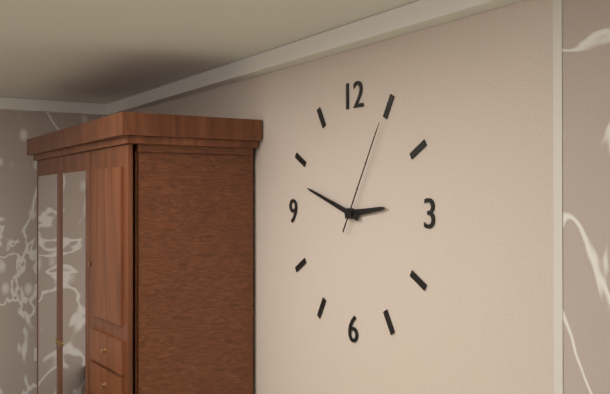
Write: 2h48m05s
